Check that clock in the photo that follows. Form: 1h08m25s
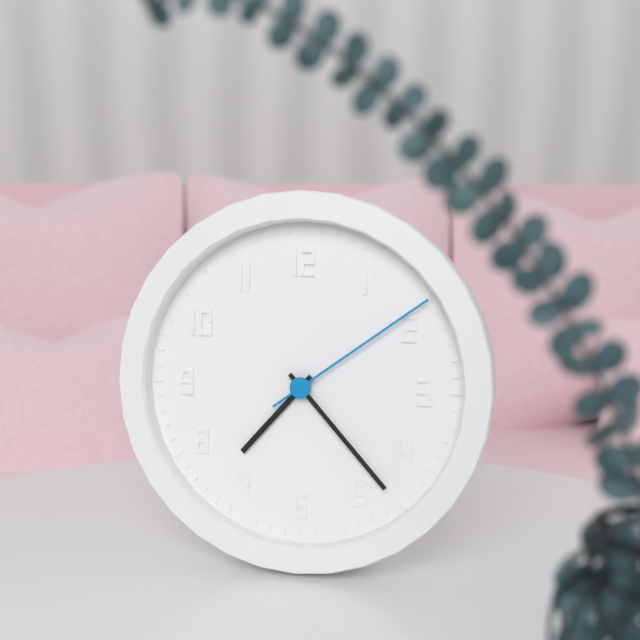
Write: 7h23m09s
